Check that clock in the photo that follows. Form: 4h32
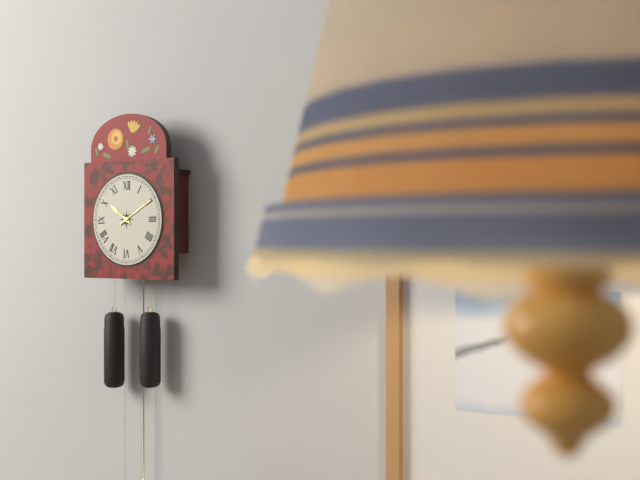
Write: 10h10
